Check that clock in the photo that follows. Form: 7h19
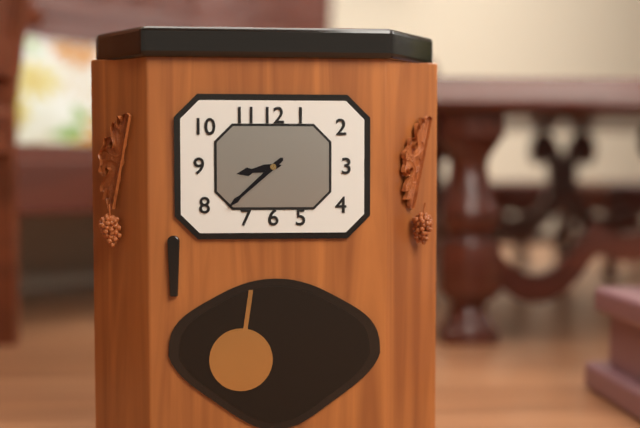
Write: 8h38
